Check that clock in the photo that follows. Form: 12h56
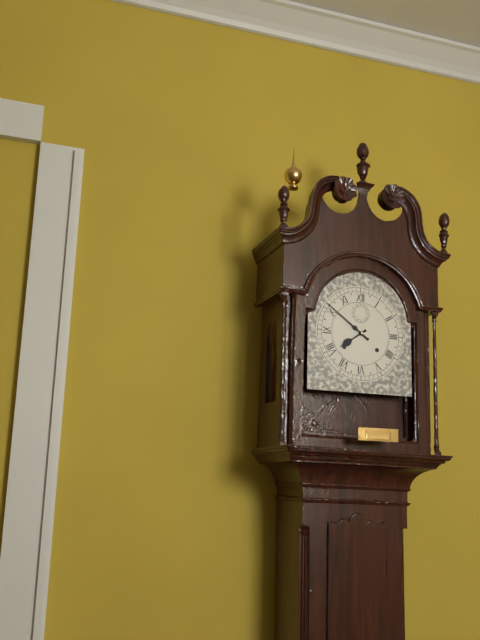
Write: 7h51
